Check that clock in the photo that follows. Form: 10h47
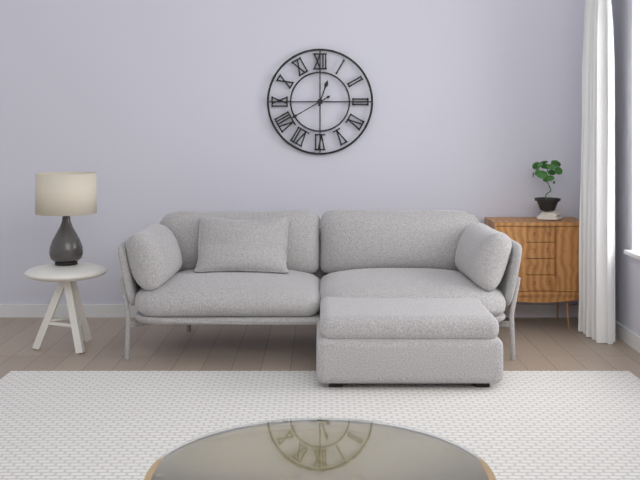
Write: 12h40
